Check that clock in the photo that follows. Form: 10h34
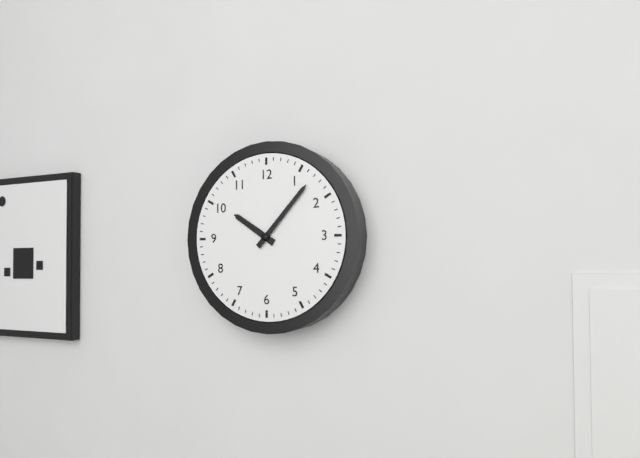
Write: 10h07
